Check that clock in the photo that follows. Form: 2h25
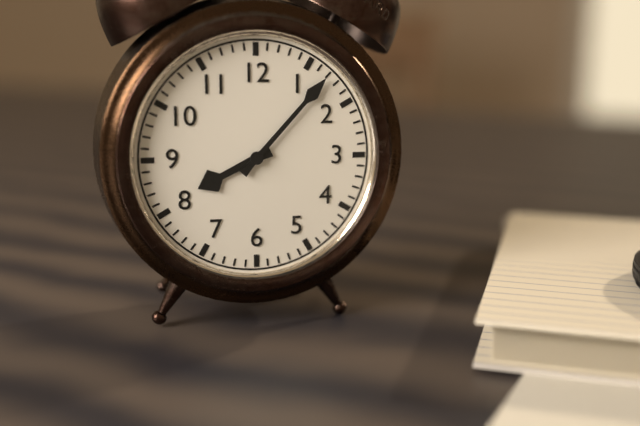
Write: 8h07
